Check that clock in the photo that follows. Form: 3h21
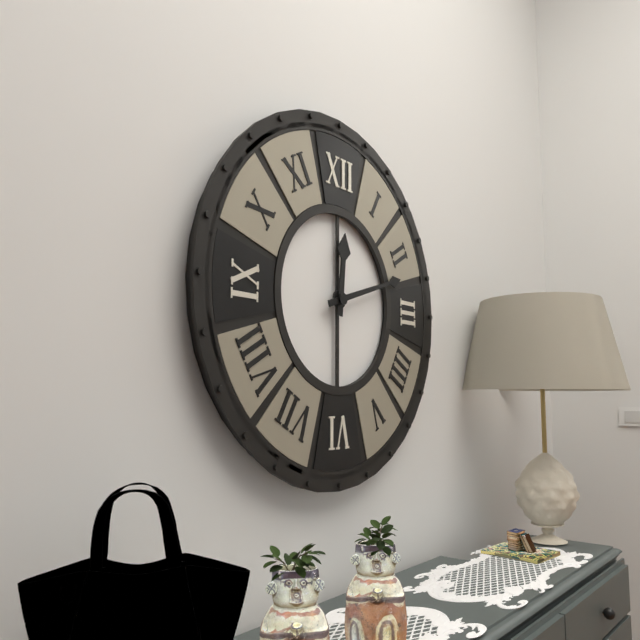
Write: 12h12
